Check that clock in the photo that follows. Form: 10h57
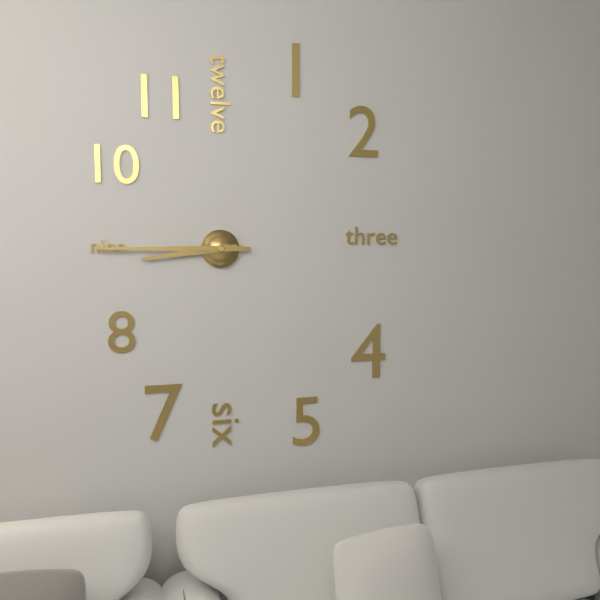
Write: 8h45
